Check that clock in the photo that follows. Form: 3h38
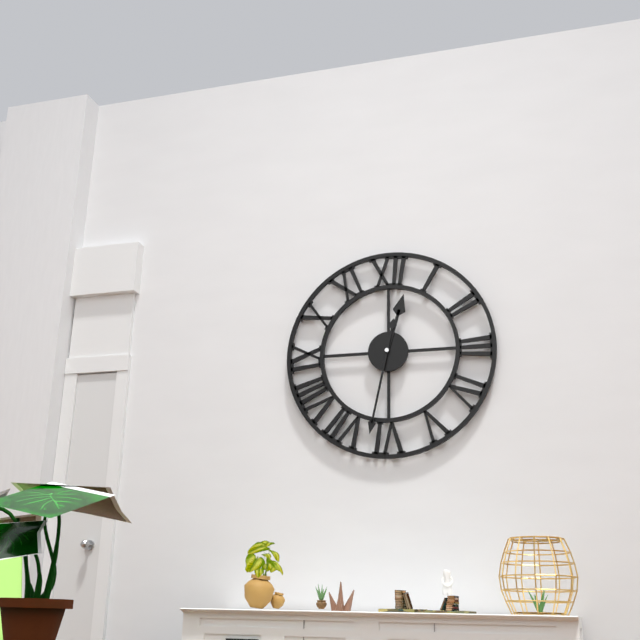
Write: 12h32
